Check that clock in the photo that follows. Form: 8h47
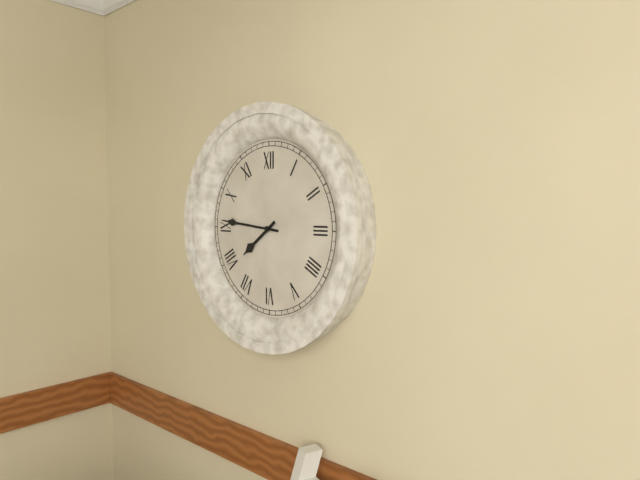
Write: 7h46
